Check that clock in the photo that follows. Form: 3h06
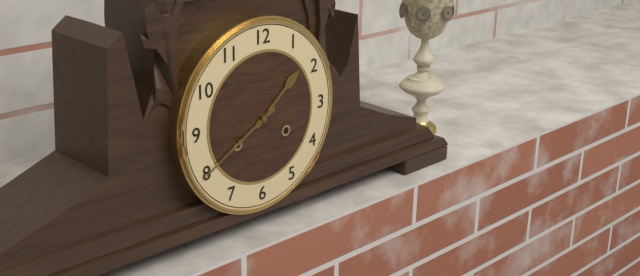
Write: 1h40
